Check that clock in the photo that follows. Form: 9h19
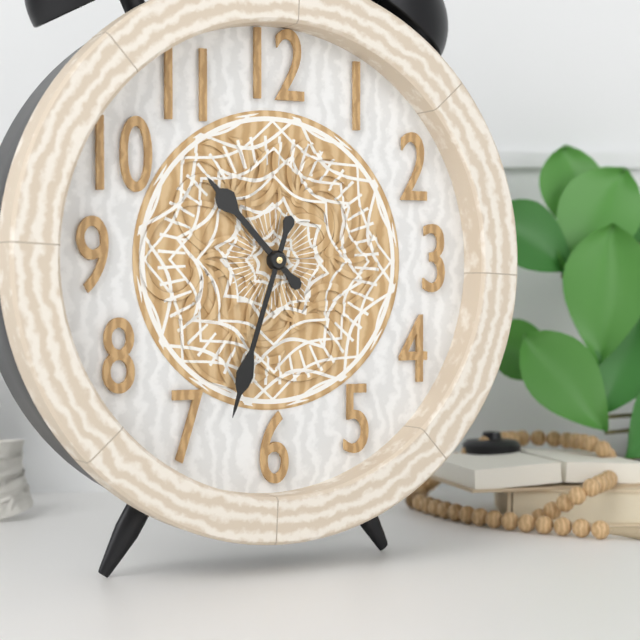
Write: 10h33
